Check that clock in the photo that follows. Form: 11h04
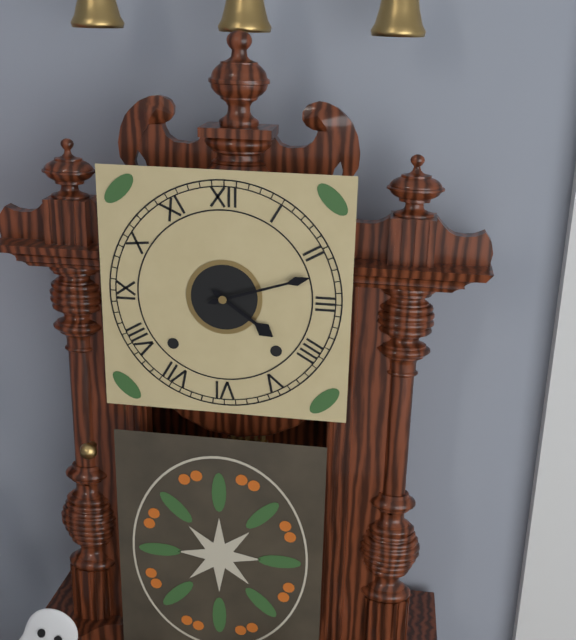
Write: 4h12
